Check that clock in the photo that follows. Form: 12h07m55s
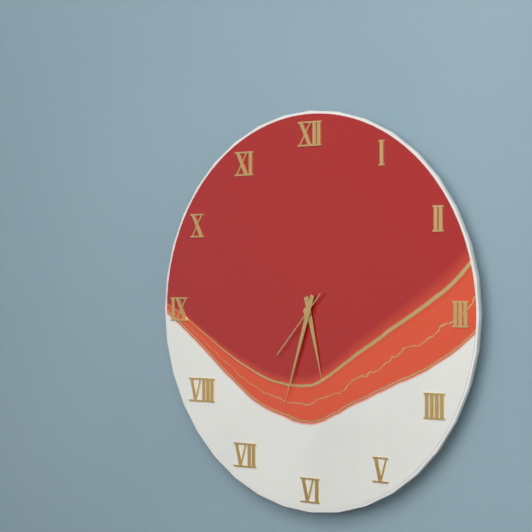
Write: 5h33m37s
